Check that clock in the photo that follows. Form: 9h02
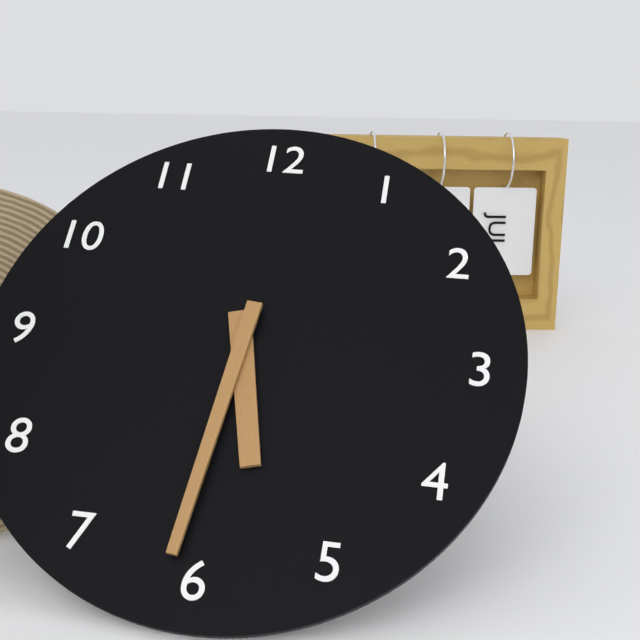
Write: 5h31
